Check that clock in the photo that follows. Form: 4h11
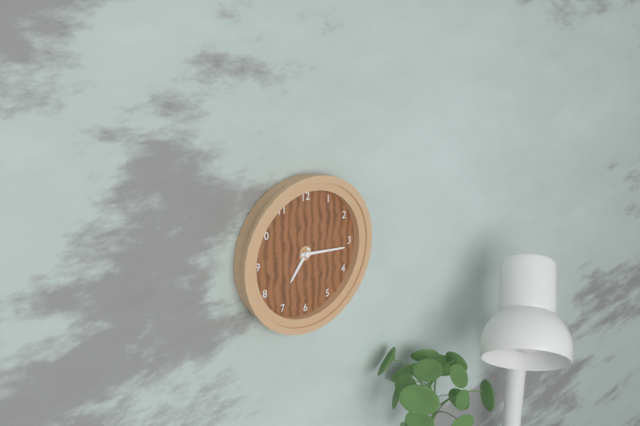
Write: 7h16
